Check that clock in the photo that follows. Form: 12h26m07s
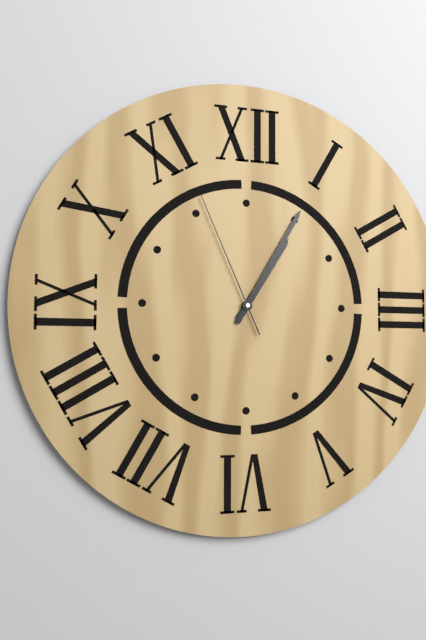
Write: 1h05m56s
